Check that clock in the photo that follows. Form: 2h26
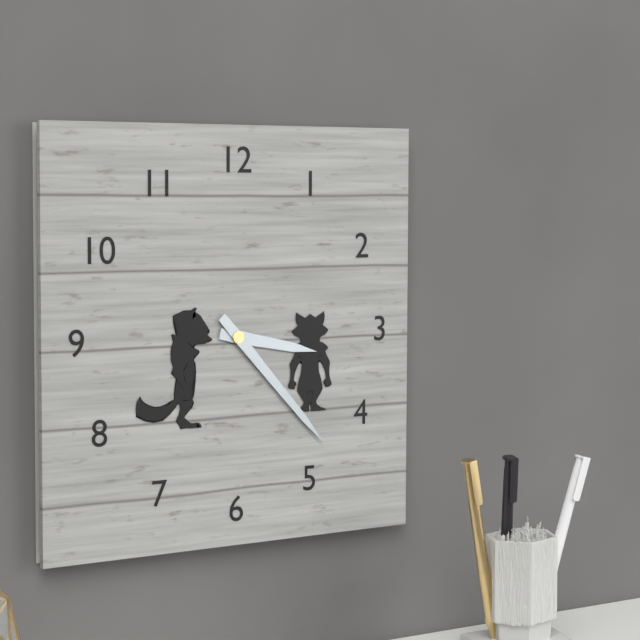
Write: 3h23
